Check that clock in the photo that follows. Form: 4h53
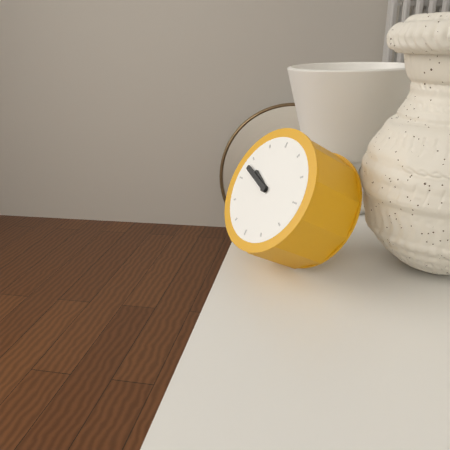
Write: 9h48
